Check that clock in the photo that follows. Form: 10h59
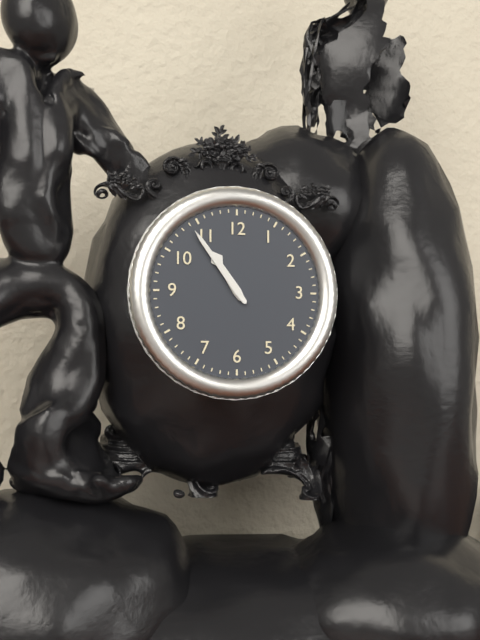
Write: 10h54
